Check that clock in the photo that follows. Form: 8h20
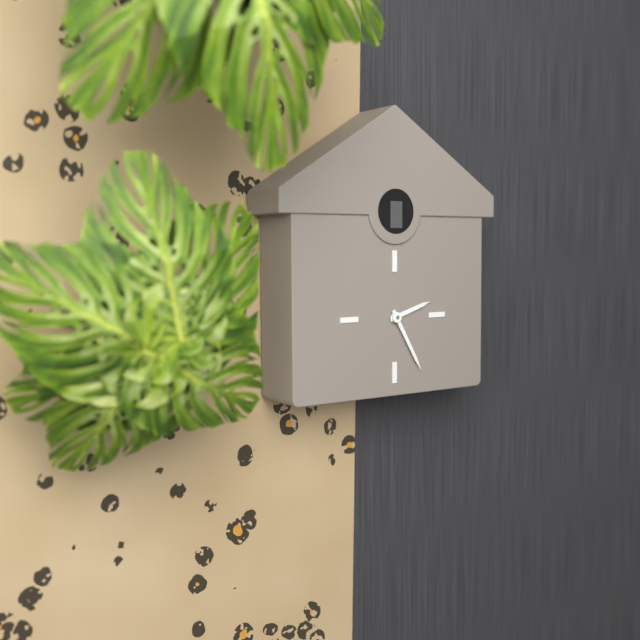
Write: 2h25
